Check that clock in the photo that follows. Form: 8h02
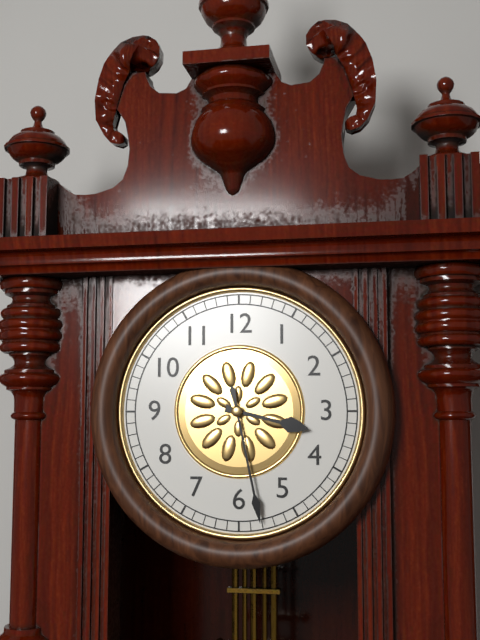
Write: 3h28
